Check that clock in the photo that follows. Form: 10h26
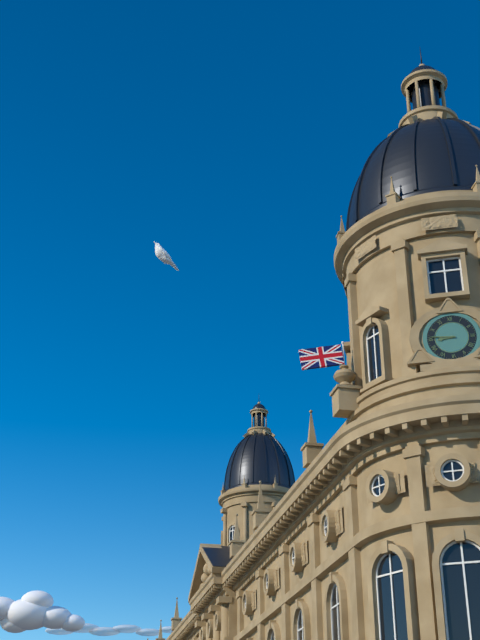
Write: 8h46
